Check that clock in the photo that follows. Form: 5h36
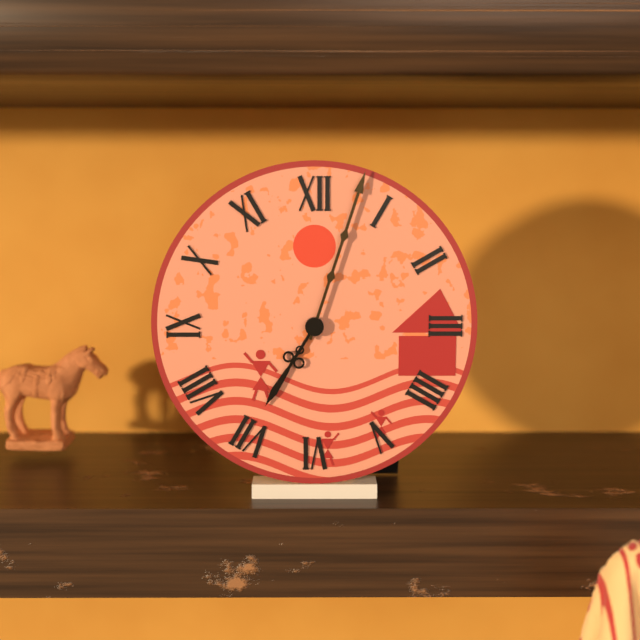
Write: 7h03
